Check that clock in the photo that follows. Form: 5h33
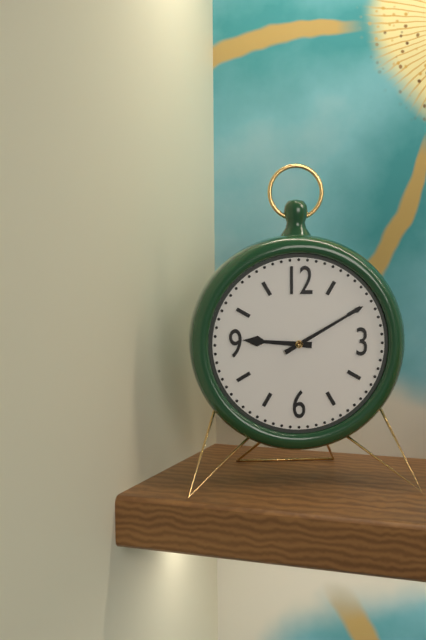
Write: 9h10
